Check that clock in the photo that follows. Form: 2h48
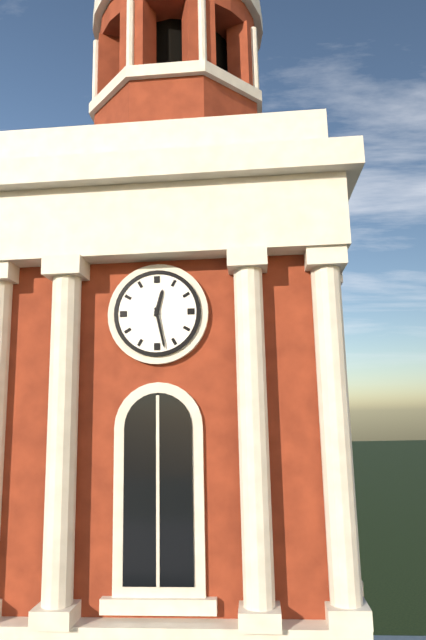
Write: 12h28
